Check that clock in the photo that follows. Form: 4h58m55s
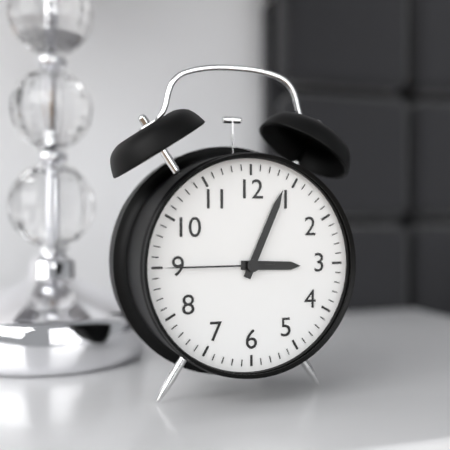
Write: 3h04m45s
